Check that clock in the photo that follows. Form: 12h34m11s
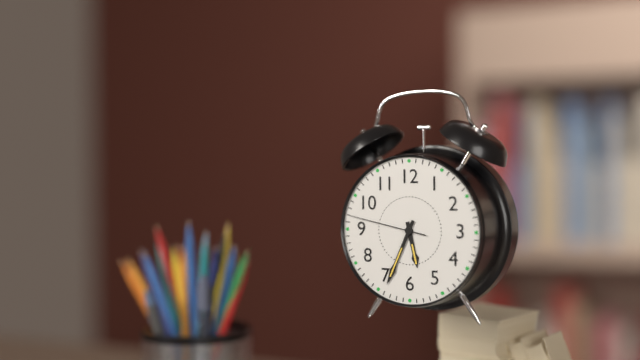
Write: 5h34m47s
